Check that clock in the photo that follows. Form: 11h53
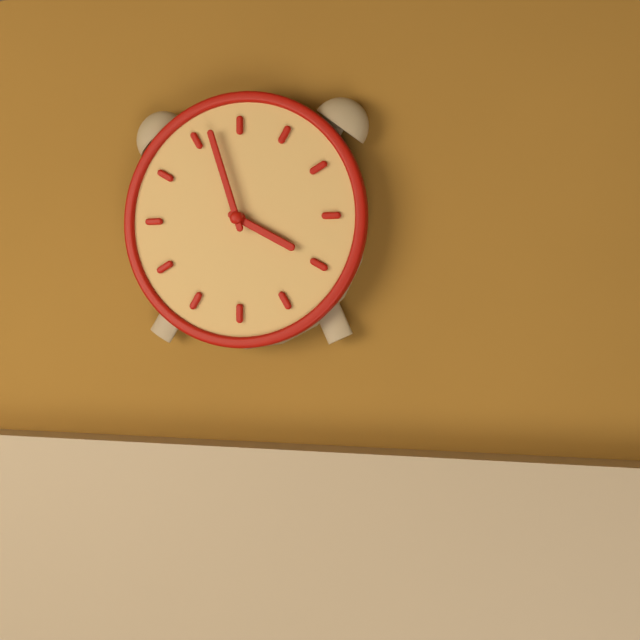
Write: 3h57
